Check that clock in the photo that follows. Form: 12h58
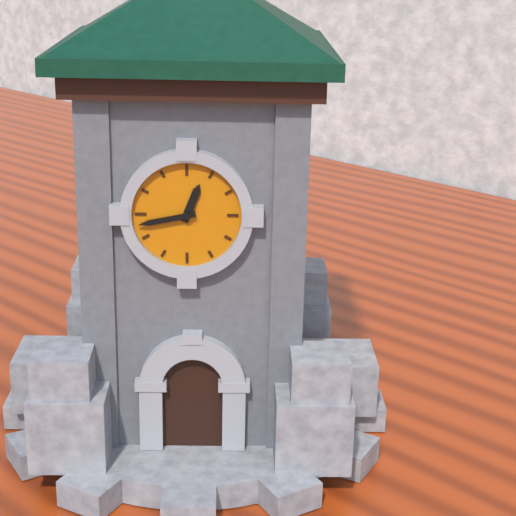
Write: 12h43
